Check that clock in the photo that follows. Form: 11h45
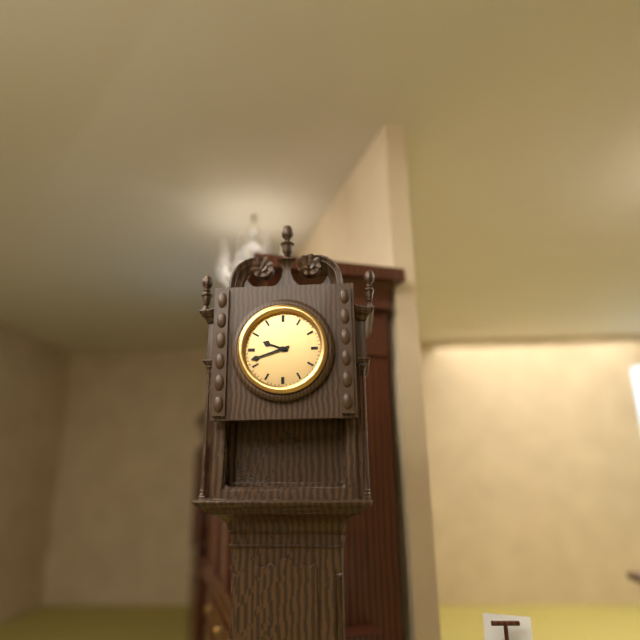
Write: 9h42
